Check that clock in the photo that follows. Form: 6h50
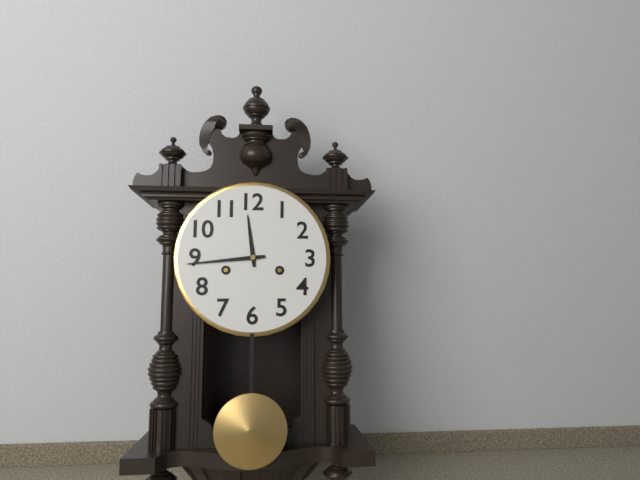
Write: 11h44
